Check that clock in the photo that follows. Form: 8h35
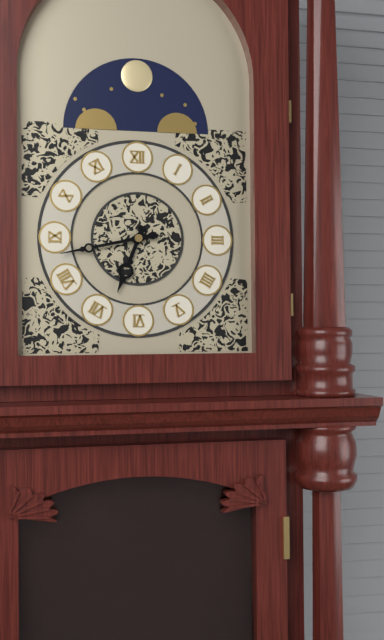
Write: 6h43
